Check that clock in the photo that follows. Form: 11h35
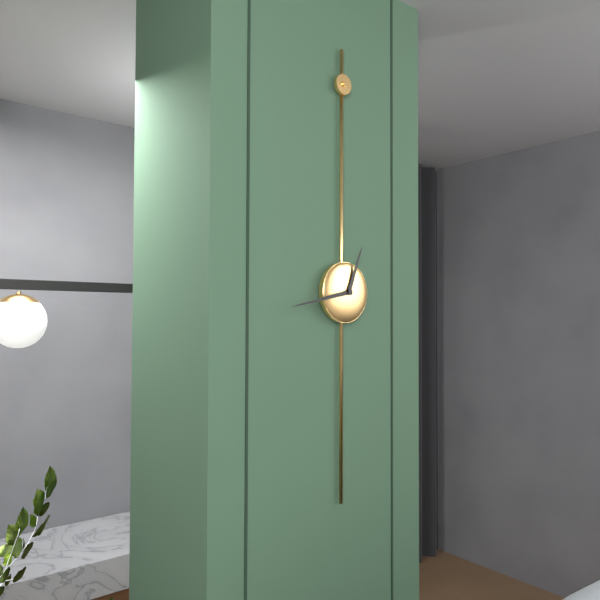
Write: 12h43
